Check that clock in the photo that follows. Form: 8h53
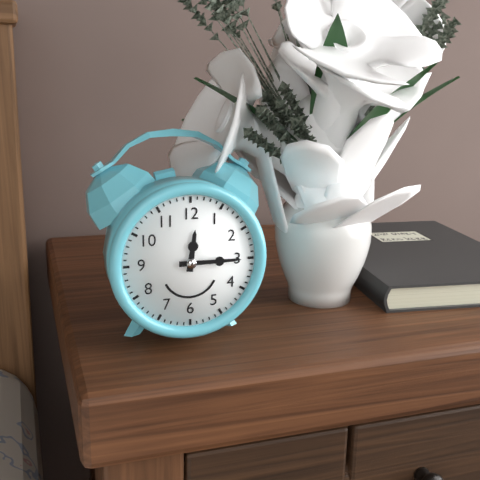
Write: 12h15
